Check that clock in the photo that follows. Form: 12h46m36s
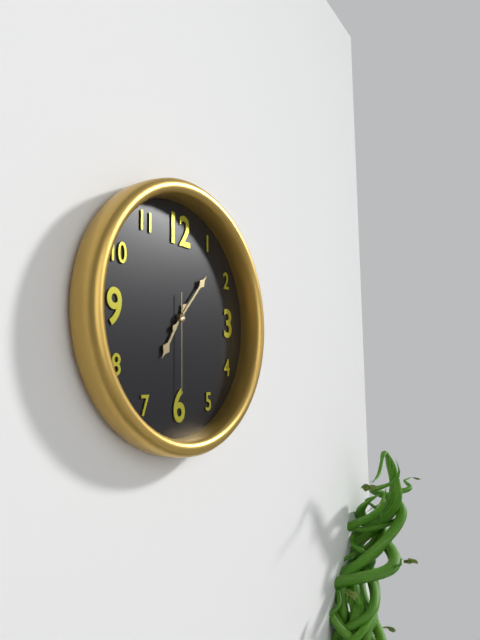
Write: 7h07m30s
